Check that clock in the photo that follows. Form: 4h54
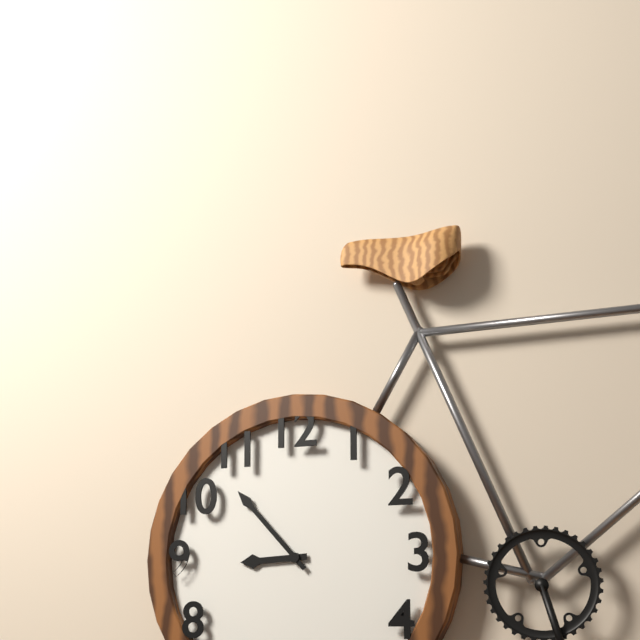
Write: 8h53
